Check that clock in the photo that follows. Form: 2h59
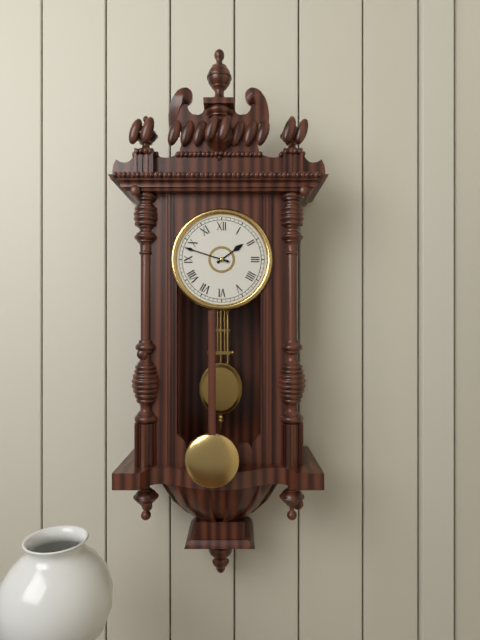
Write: 1h48
